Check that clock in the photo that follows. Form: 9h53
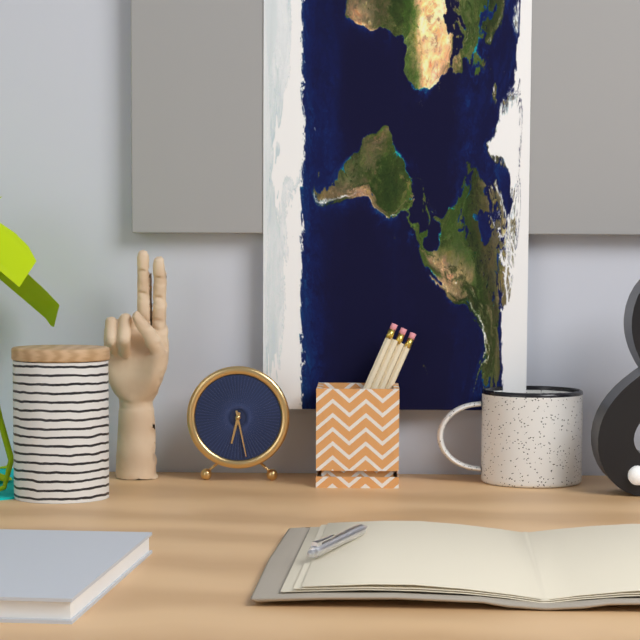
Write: 6h28
